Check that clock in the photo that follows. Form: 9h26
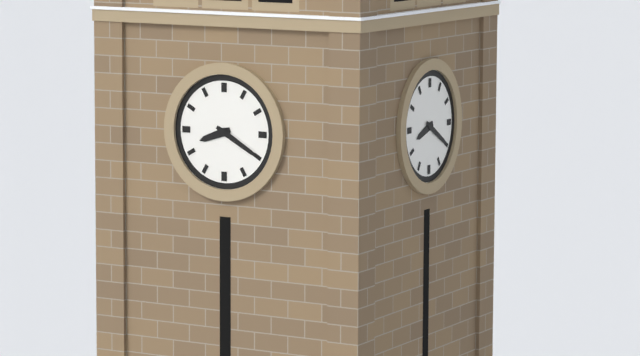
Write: 8h20
